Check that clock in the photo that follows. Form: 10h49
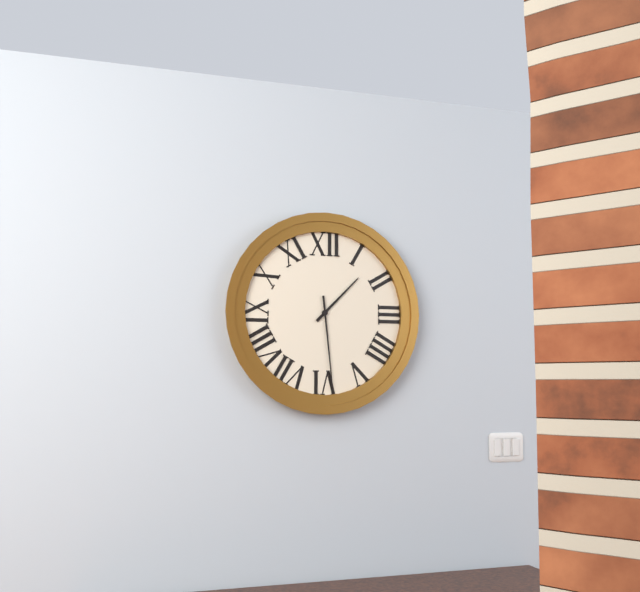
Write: 1h29
